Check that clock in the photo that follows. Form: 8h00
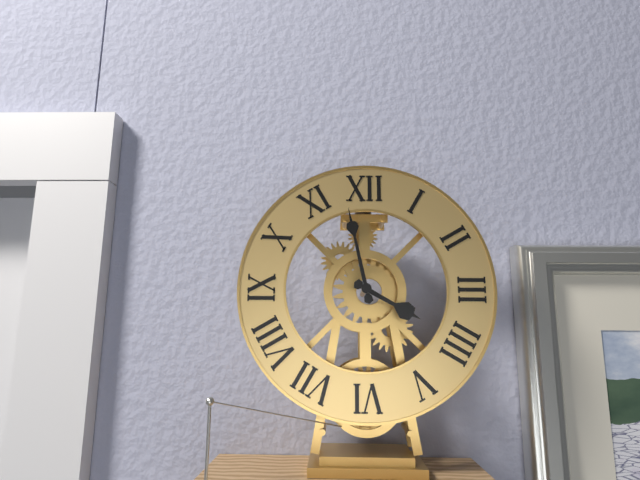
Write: 3h58
